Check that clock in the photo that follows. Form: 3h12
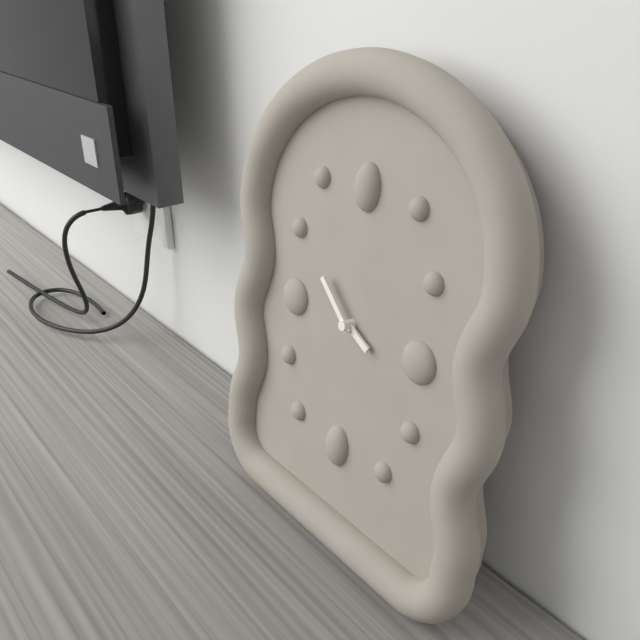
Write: 3h52
